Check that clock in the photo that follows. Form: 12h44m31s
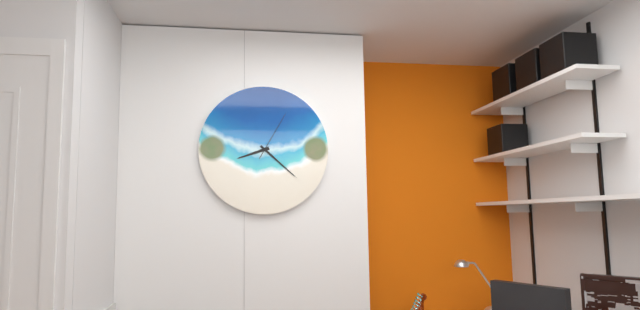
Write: 8h22m05s
